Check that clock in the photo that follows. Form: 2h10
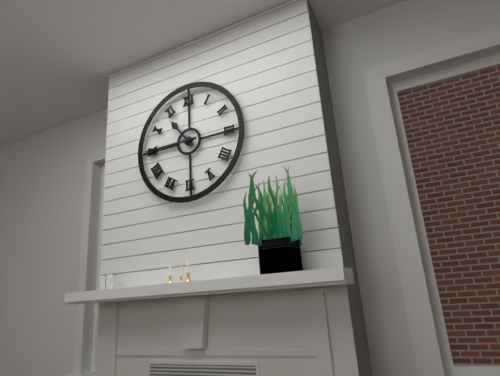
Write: 10h45
